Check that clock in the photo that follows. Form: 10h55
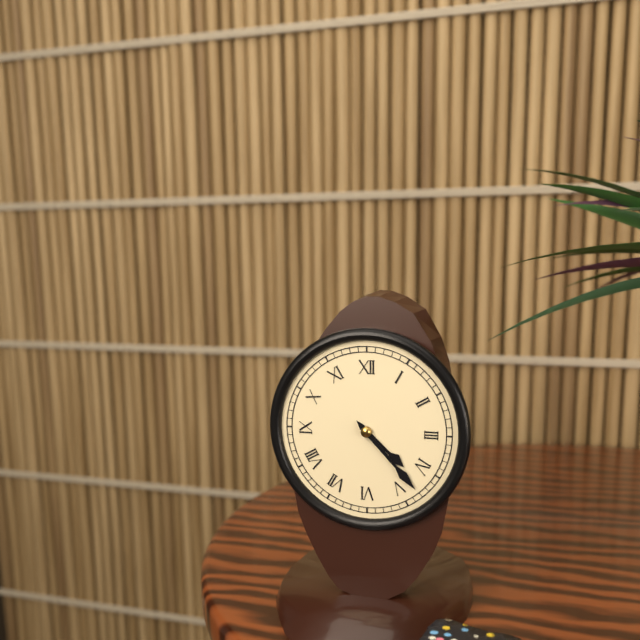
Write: 4h23
